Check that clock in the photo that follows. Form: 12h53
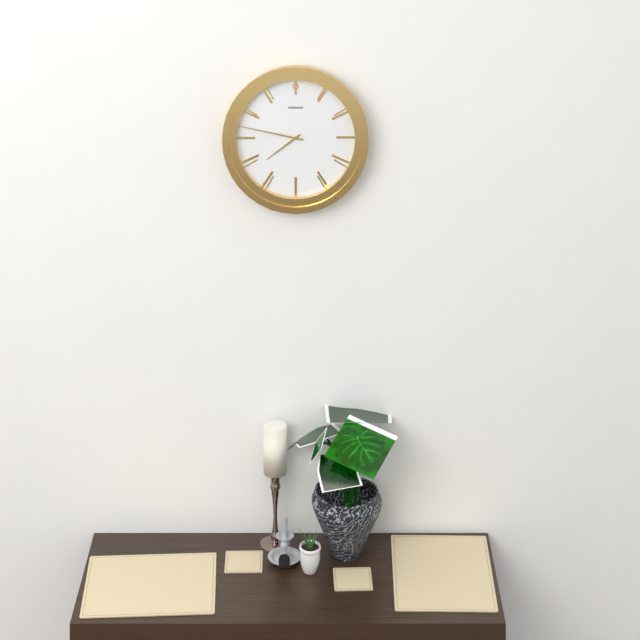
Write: 7h47
